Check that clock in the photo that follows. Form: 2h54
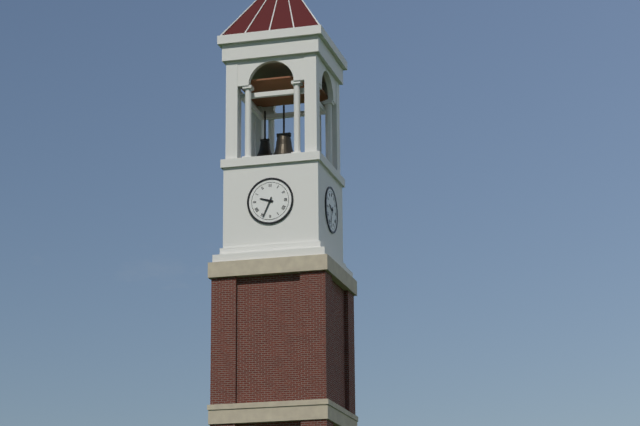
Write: 9h34
